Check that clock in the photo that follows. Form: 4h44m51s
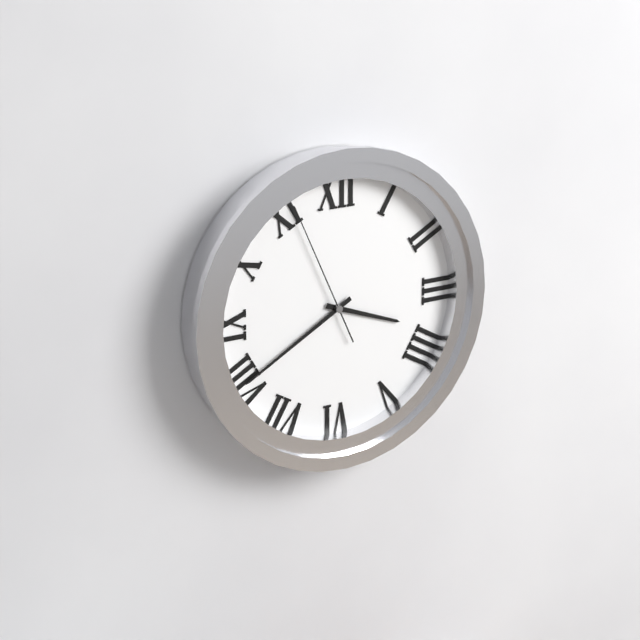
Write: 3h40m56s
